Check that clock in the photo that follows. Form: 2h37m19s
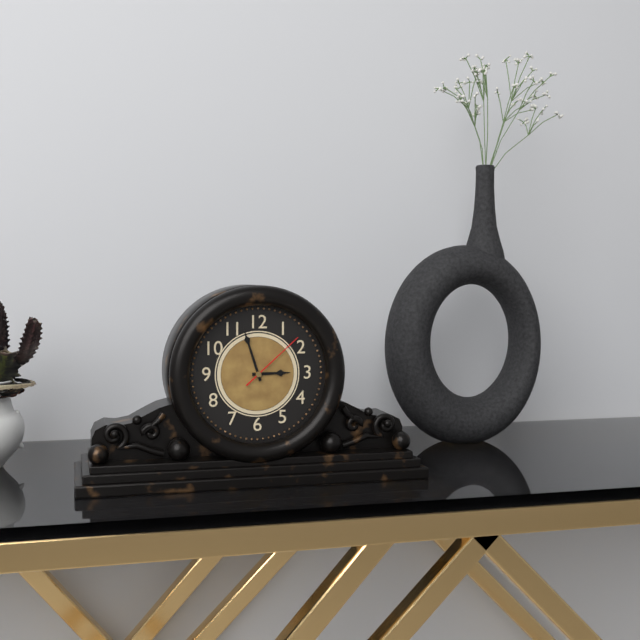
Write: 2h57m08s
